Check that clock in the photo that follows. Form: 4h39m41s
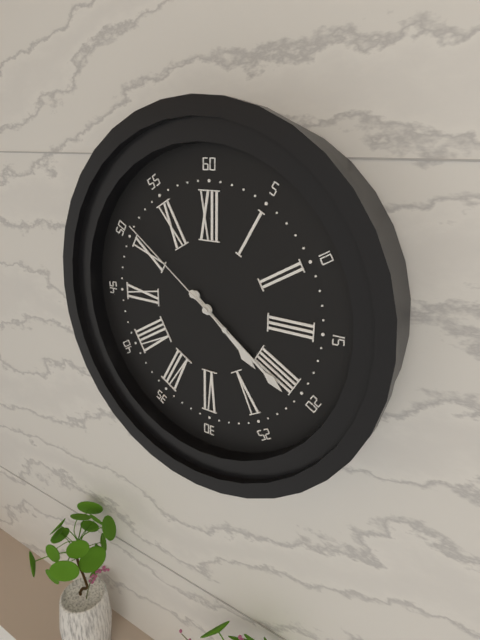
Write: 4h21m51s
